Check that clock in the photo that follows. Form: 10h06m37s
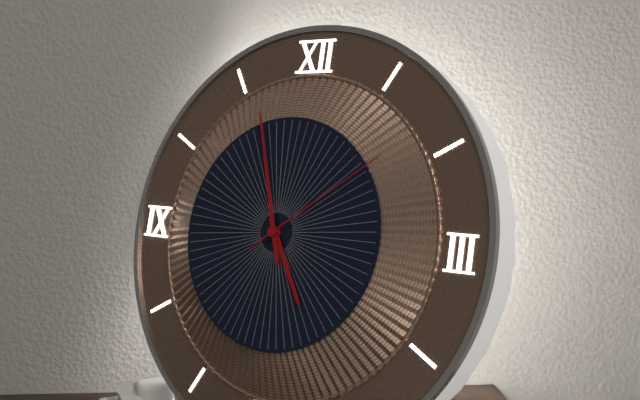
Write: 4h57m09s
